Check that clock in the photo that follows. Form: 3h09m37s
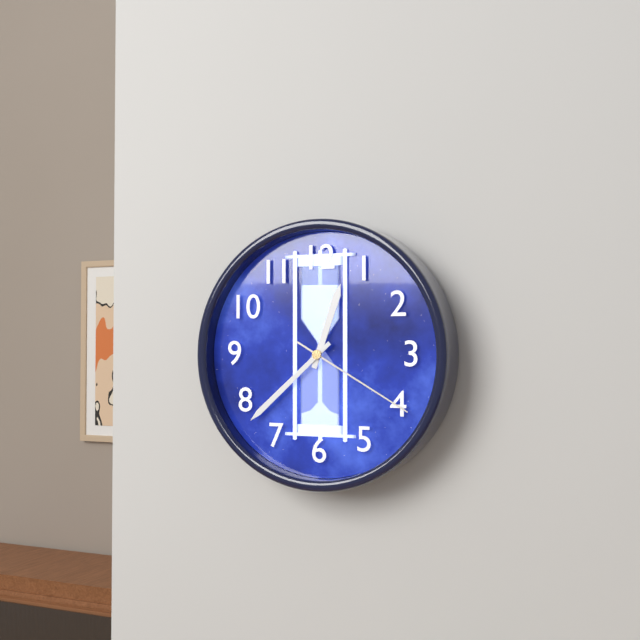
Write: 12h38m20s
